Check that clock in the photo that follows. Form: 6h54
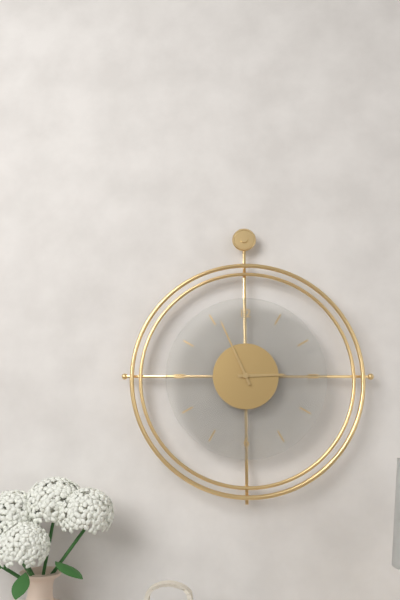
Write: 2h56
